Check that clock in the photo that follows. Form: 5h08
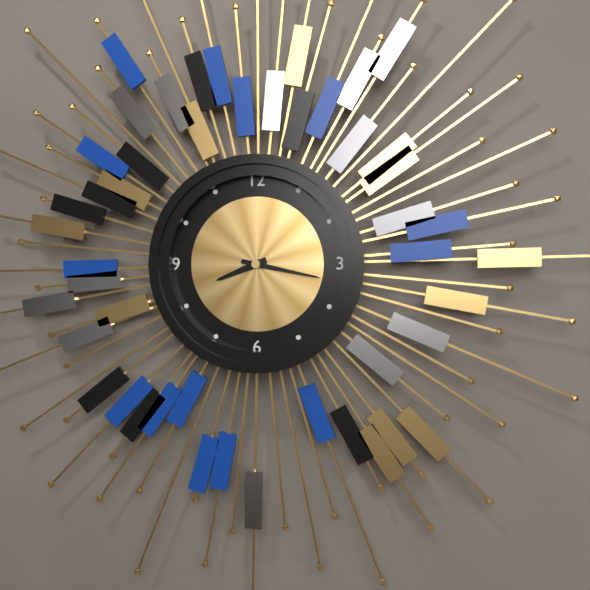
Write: 8h17
